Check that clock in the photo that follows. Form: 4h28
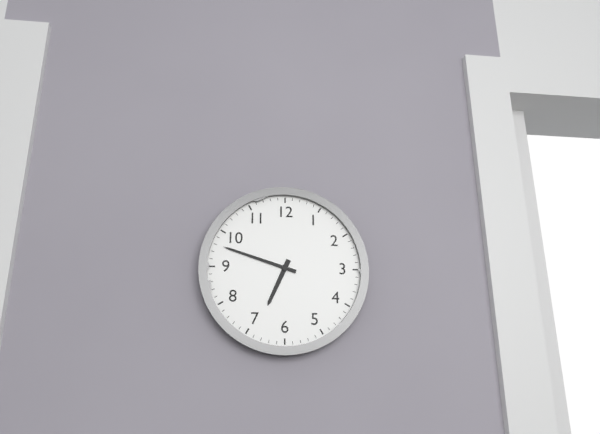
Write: 6h48
